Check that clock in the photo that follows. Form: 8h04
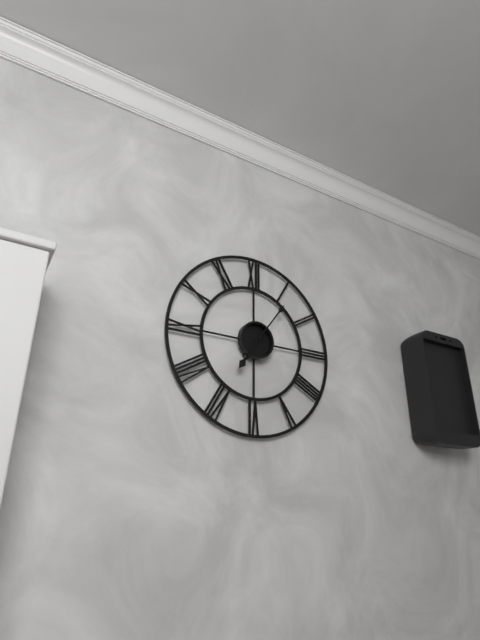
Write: 7h06
